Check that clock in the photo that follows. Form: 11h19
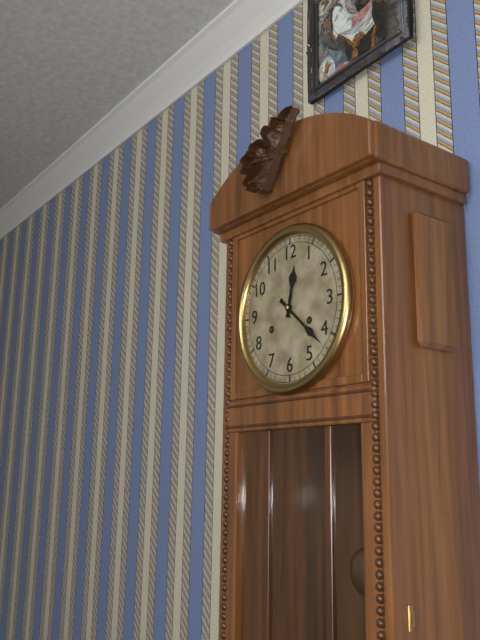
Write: 12h22
